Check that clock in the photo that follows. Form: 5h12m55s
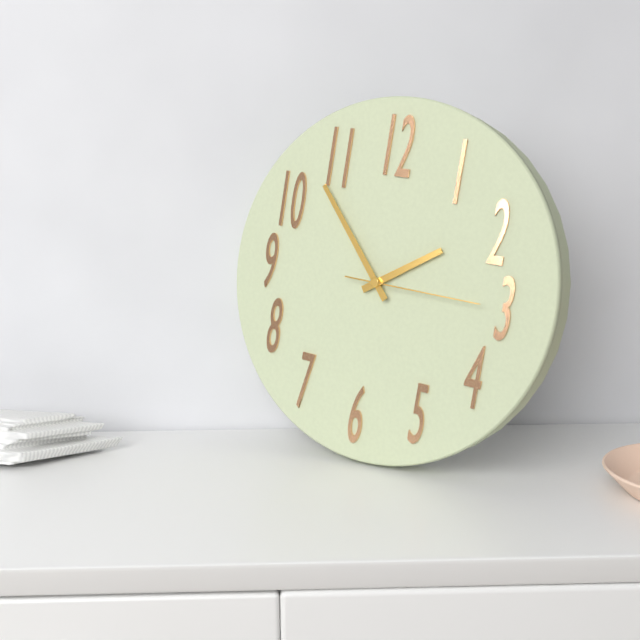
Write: 1h53m15s
